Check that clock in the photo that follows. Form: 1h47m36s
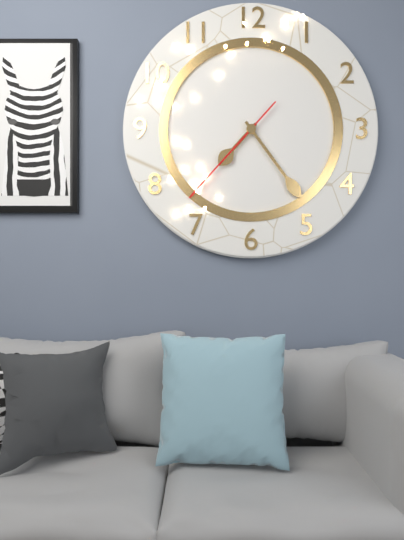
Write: 7h24m37s
